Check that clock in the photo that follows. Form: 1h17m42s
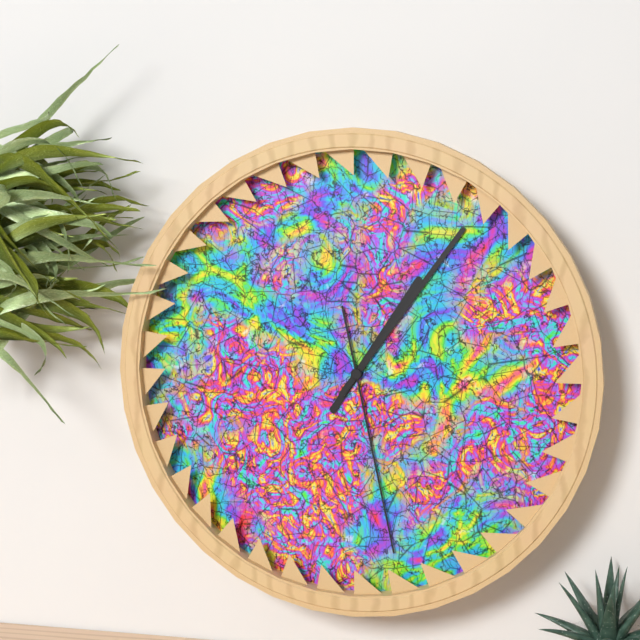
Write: 1h06m28s
